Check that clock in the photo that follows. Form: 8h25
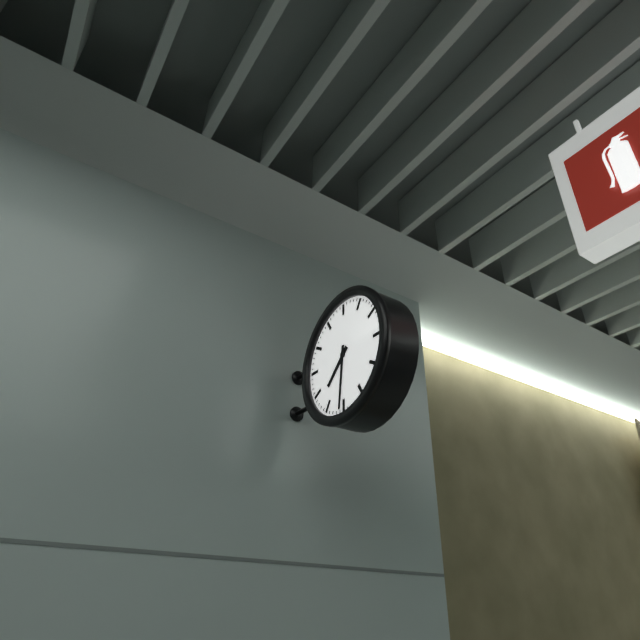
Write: 7h31
